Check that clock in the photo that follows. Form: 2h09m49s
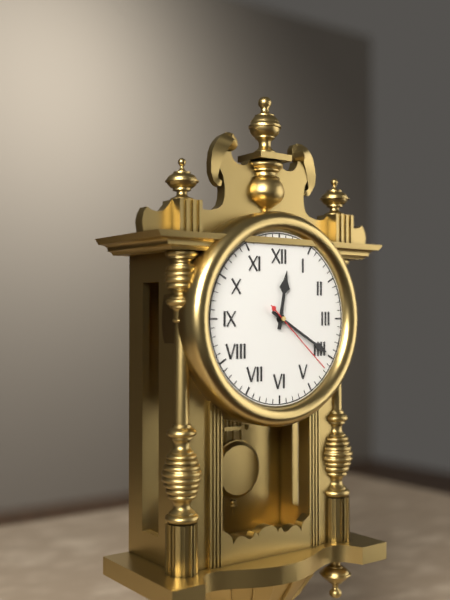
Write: 12h20m22s
